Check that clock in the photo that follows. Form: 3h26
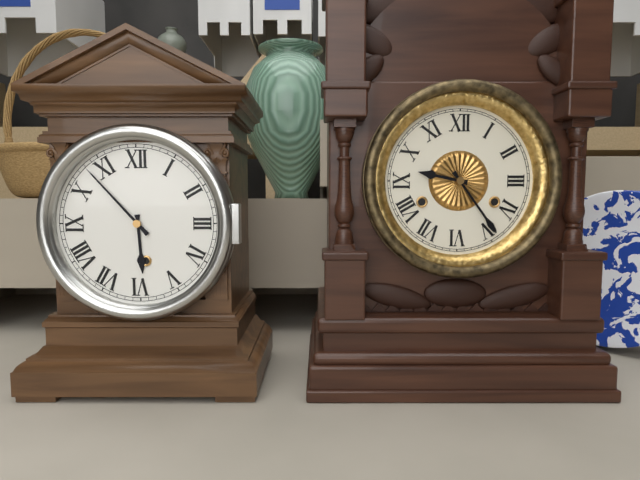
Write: 5h53
